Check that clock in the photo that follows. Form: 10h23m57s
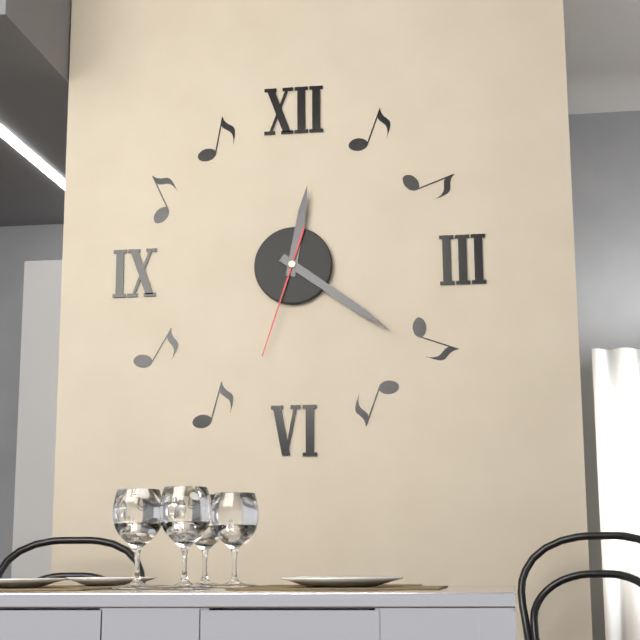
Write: 12h21m33s
